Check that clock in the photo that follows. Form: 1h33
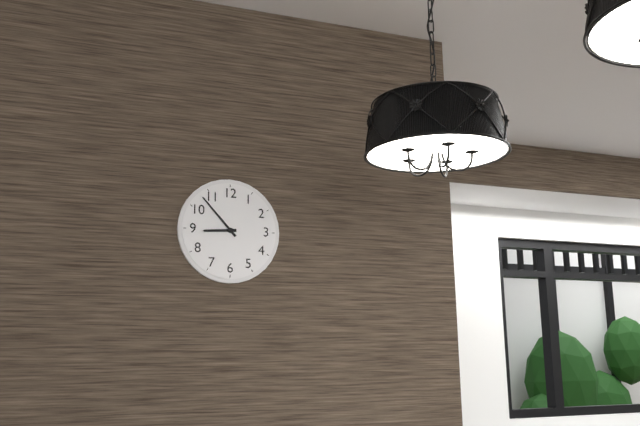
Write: 8h53
